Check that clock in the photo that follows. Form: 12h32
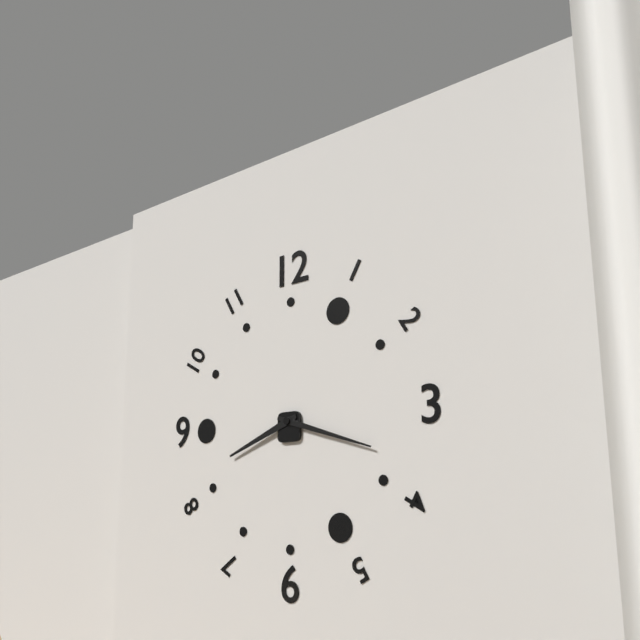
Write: 8h18
